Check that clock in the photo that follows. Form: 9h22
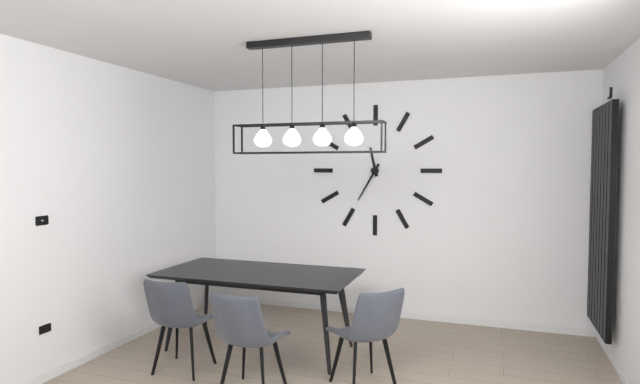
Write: 11h35
